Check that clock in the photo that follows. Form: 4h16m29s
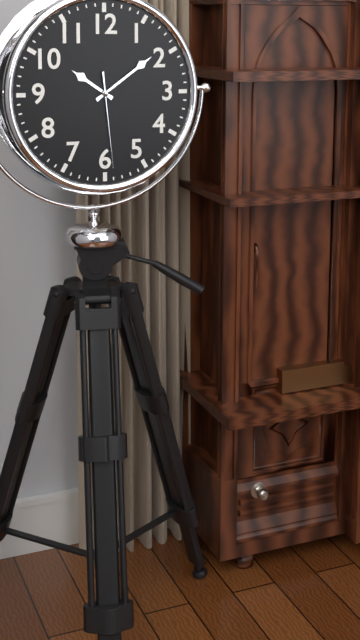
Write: 10h09m29s
